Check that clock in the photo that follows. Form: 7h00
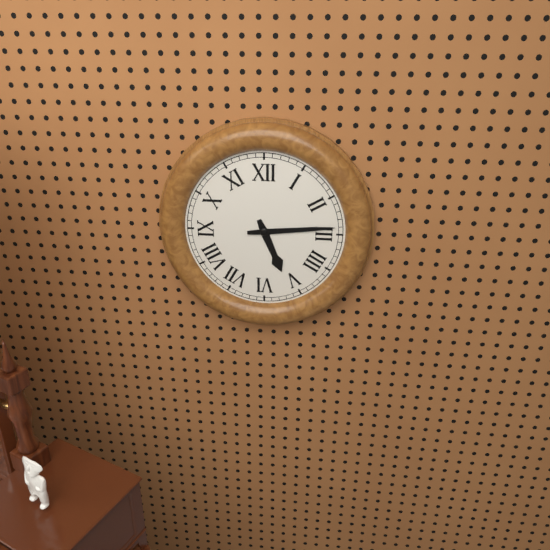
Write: 5h14
